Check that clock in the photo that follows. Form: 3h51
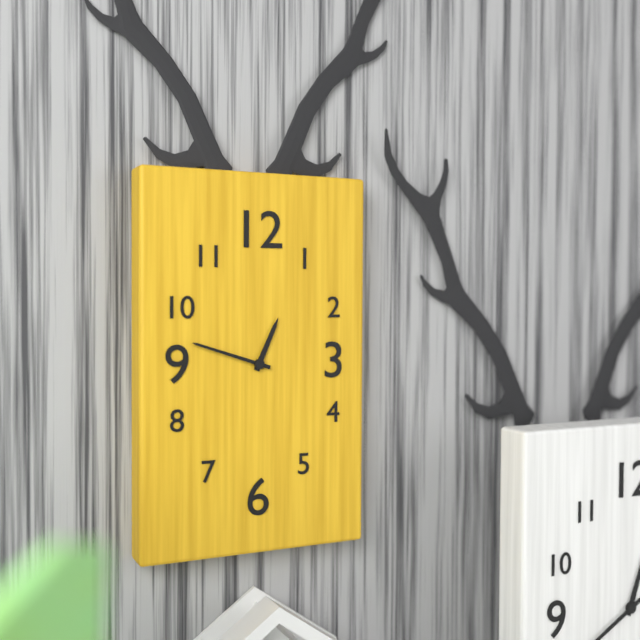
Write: 12h48
